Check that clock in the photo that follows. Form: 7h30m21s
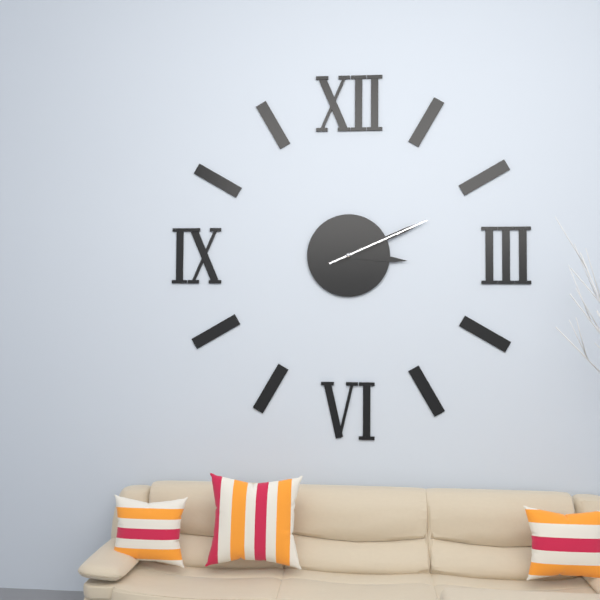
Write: 3h11m11s
